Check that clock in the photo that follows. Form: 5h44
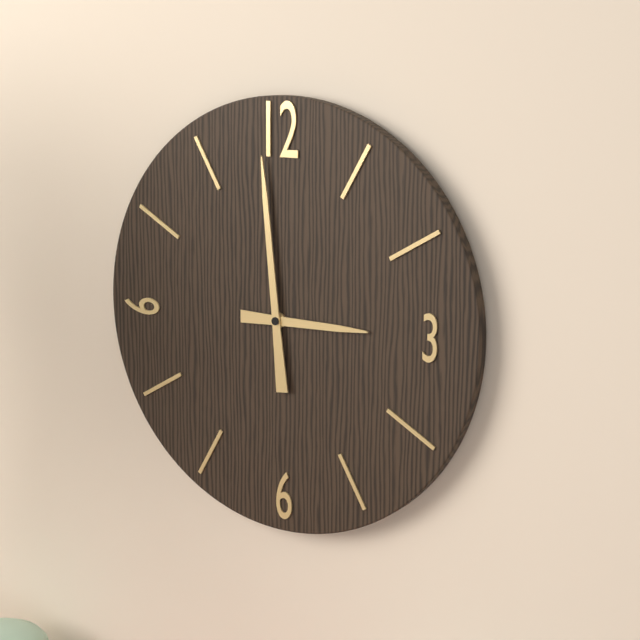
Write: 2h59
